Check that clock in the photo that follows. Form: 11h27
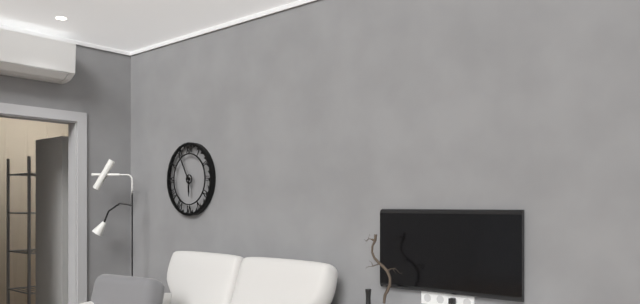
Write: 5h55
